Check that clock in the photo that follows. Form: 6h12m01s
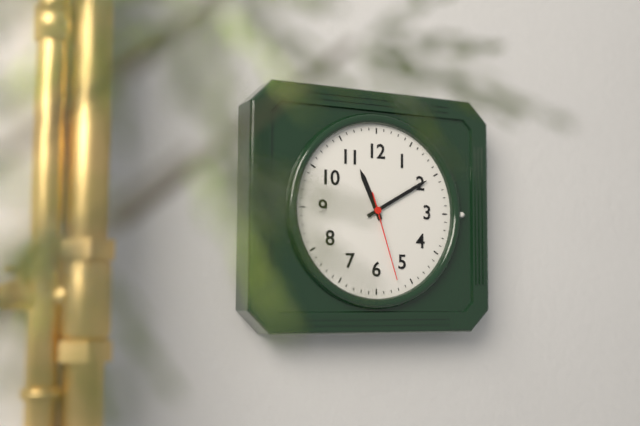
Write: 11h10m27s
